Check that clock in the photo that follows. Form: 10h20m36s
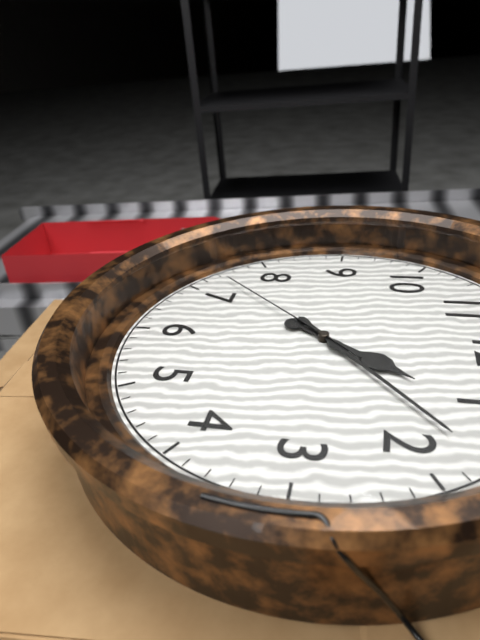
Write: 1h08m37s
